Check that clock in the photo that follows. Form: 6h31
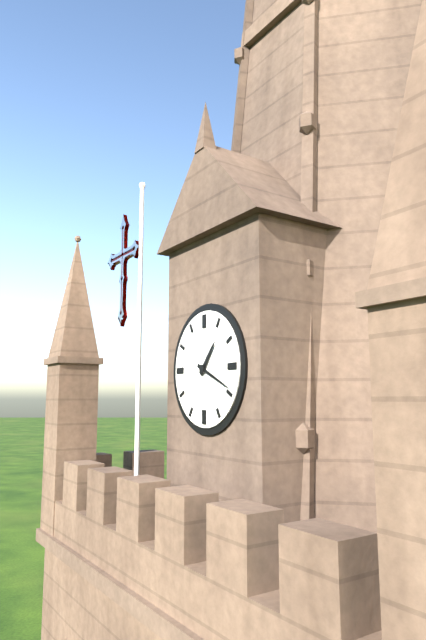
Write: 1h19
